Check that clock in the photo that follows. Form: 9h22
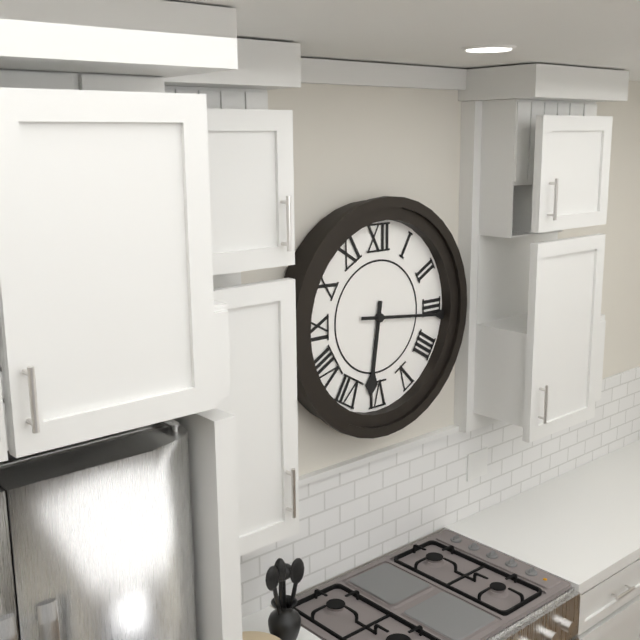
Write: 6h16
